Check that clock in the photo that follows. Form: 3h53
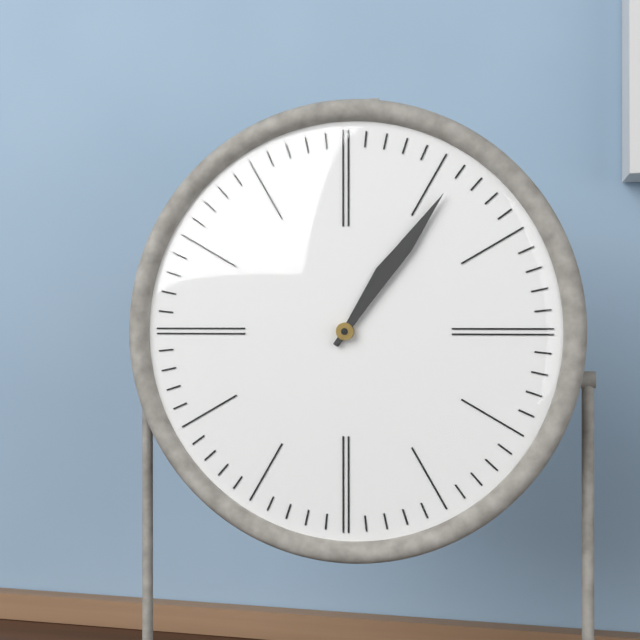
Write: 1h06
